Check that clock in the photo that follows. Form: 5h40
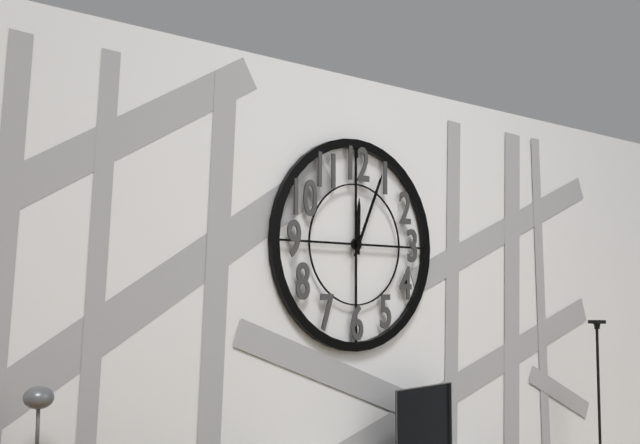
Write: 12h04
